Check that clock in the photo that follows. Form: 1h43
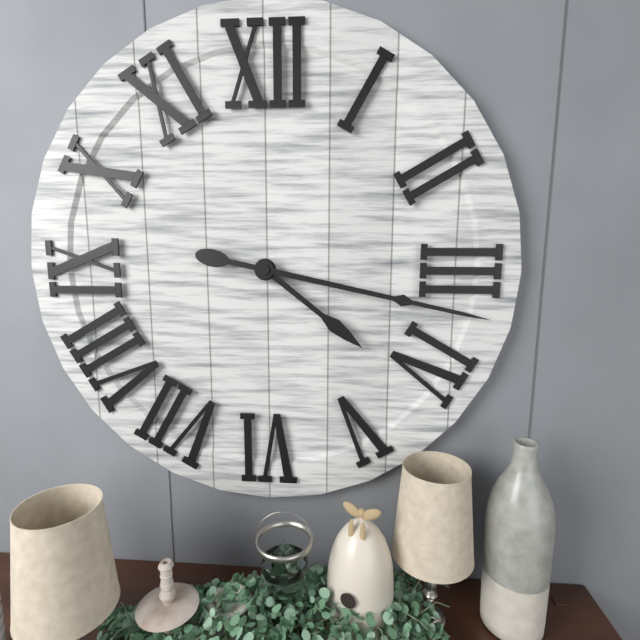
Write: 4h17
